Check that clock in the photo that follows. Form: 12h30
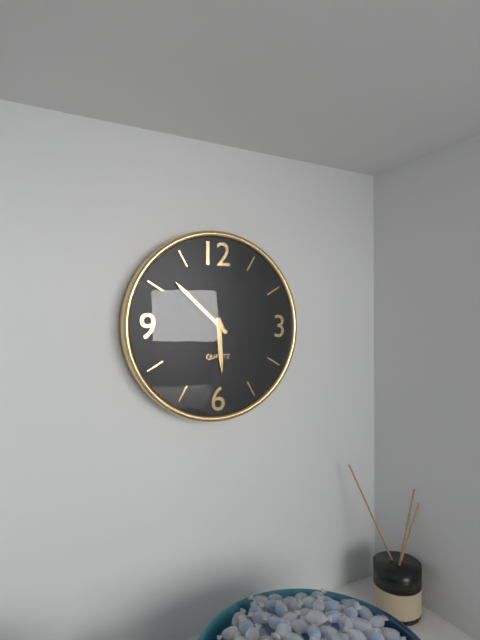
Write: 5h52
